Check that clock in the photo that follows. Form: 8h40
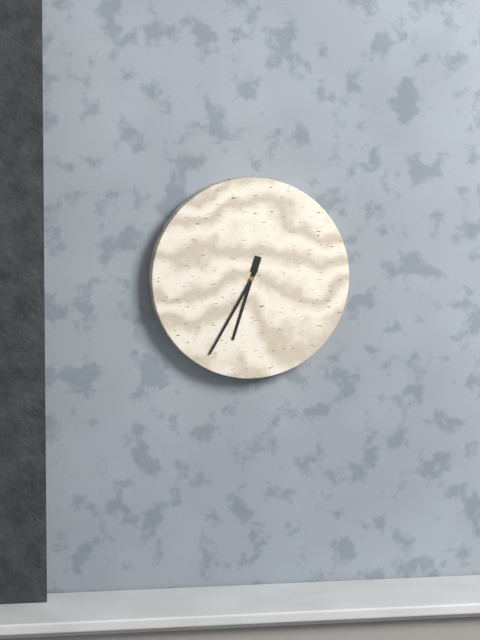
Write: 6h35
